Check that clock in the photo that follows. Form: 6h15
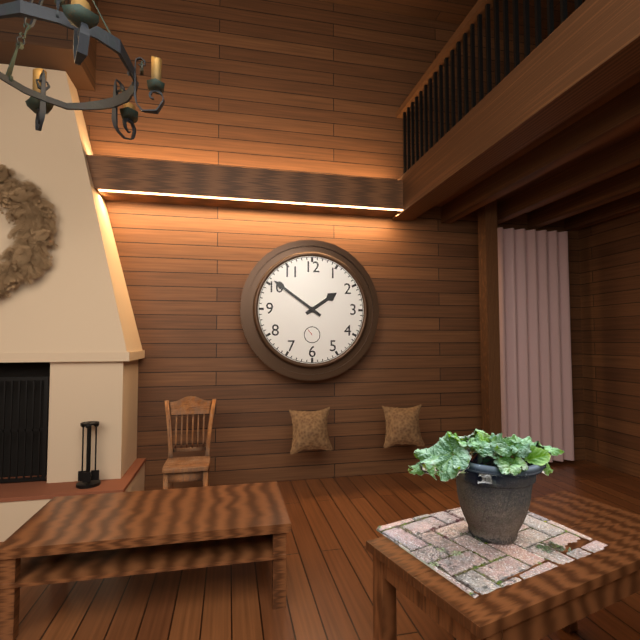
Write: 1h51
